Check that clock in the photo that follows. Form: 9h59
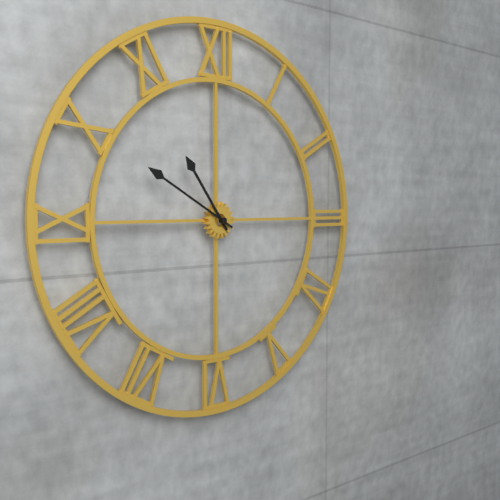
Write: 10h50
